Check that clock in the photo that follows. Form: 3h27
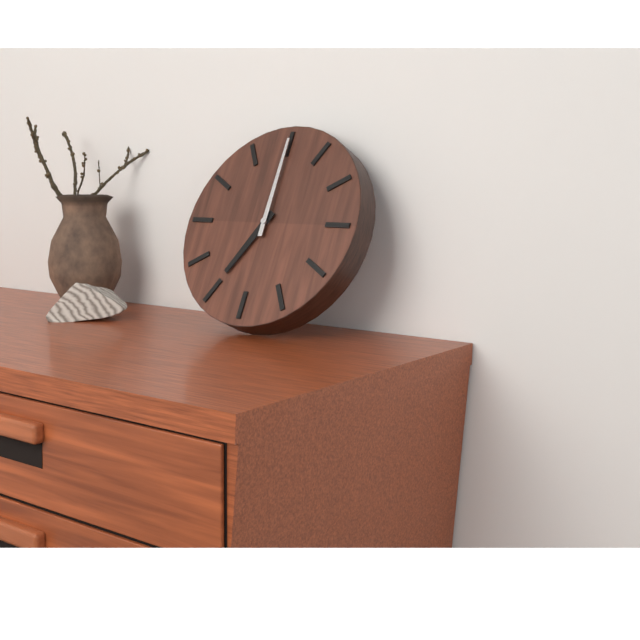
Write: 7h00
